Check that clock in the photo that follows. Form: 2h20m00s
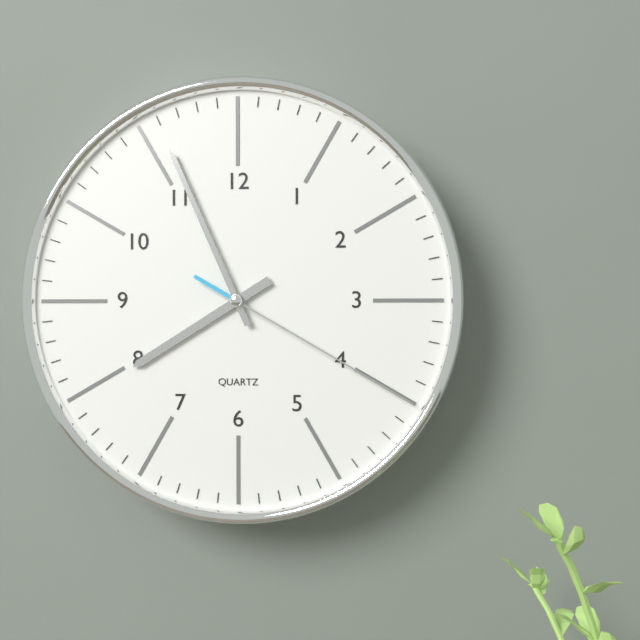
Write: 7h56m20s
